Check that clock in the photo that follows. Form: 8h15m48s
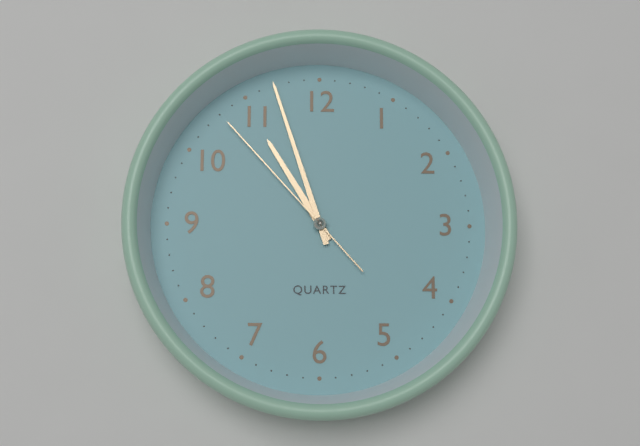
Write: 10h57m53s
